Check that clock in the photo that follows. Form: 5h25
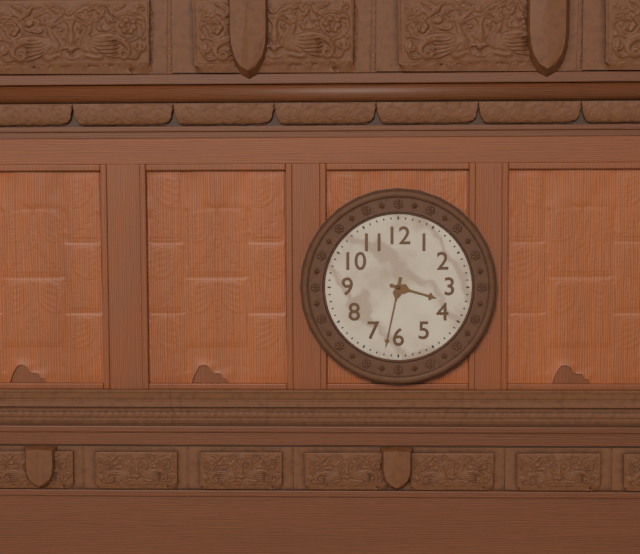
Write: 3h32
